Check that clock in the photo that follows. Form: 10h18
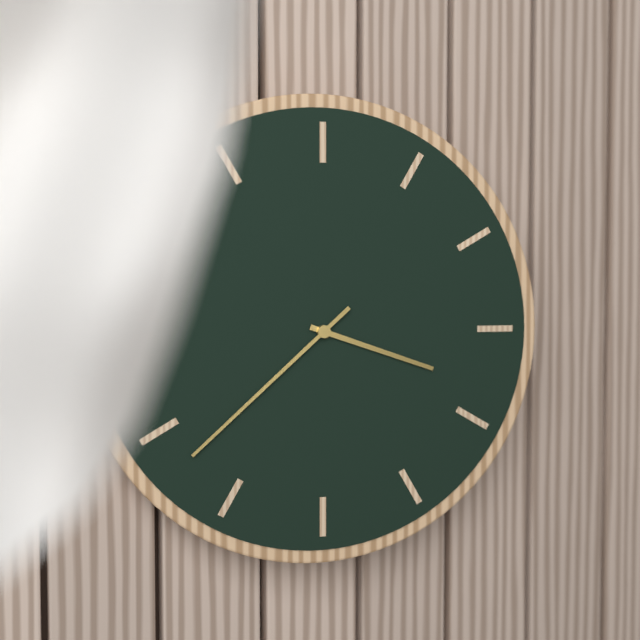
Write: 3h38
